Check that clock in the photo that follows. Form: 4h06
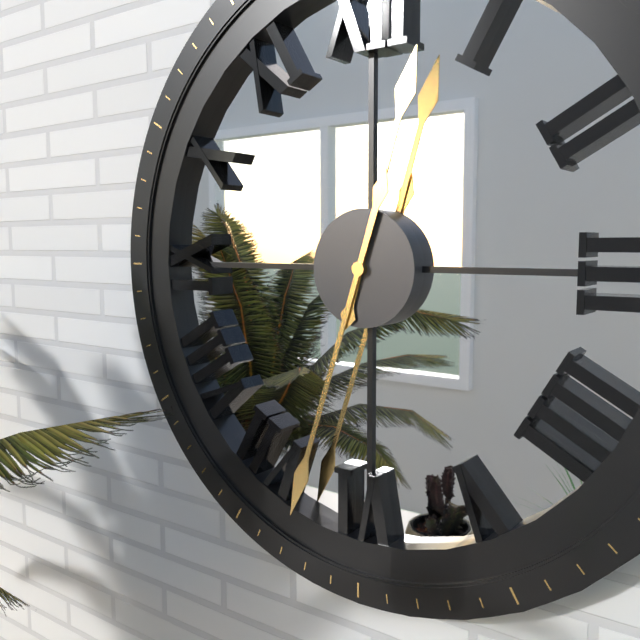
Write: 12h33
